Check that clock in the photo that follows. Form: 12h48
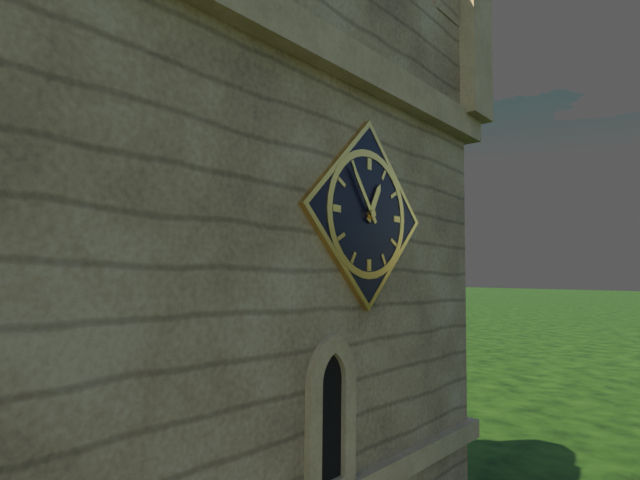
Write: 12h54
